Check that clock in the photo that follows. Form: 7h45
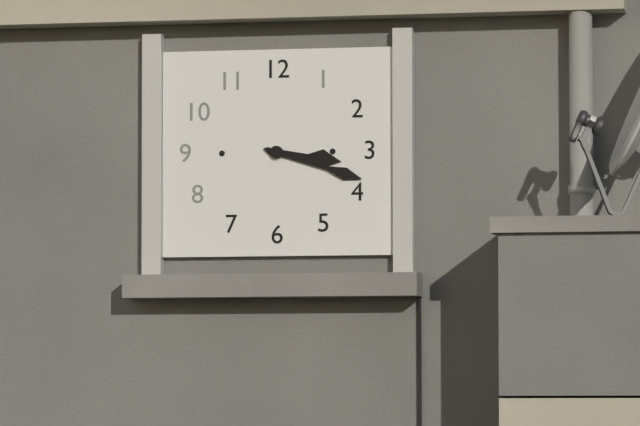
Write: 3h18
